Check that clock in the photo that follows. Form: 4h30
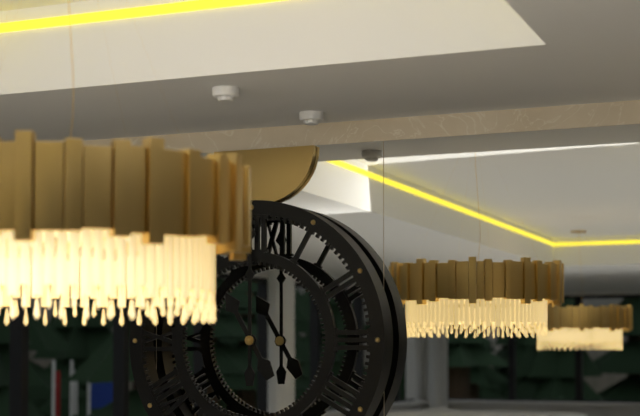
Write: 11h00
